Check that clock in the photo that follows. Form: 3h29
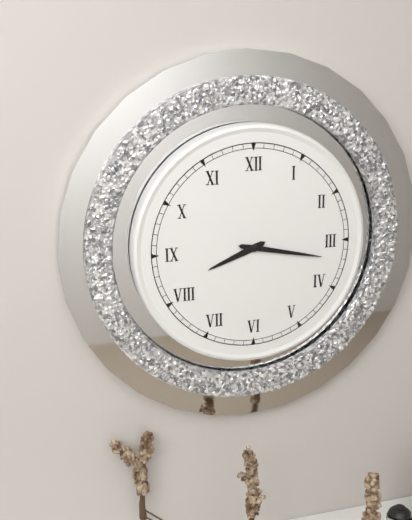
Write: 8h17
